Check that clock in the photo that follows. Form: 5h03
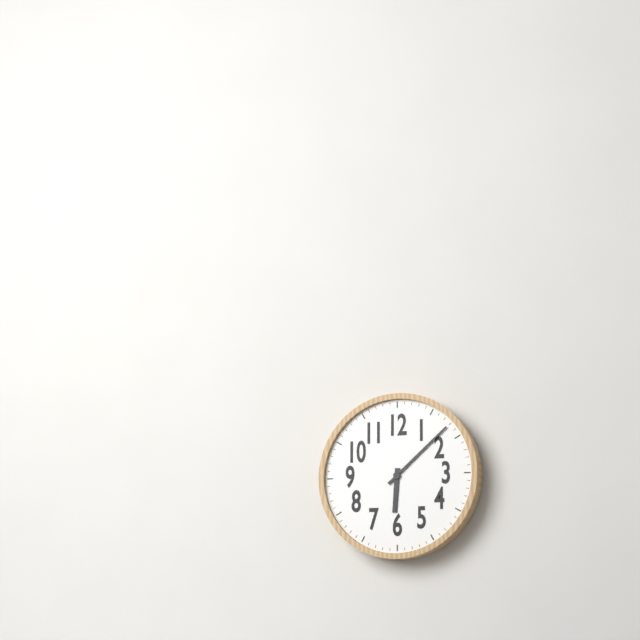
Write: 6h08
